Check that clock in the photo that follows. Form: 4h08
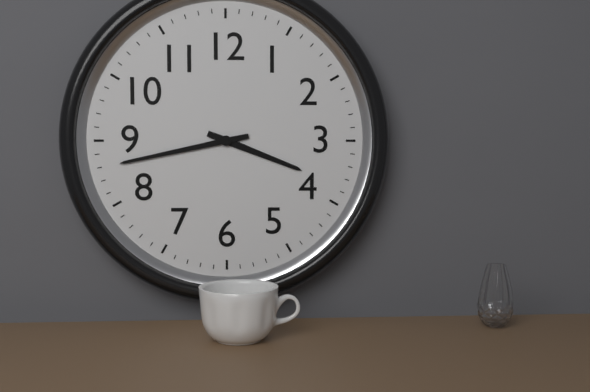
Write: 3h43
